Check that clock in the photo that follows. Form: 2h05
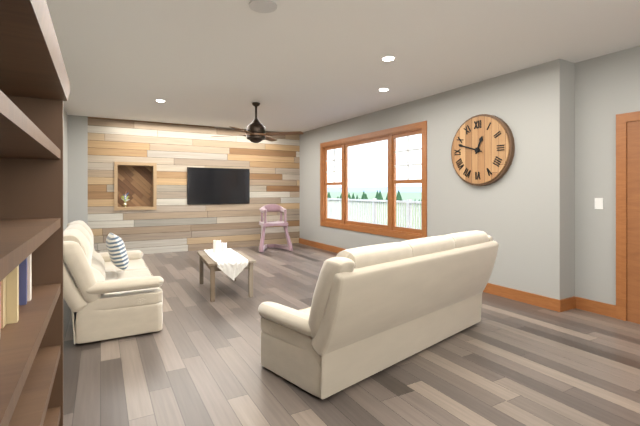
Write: 12h48
